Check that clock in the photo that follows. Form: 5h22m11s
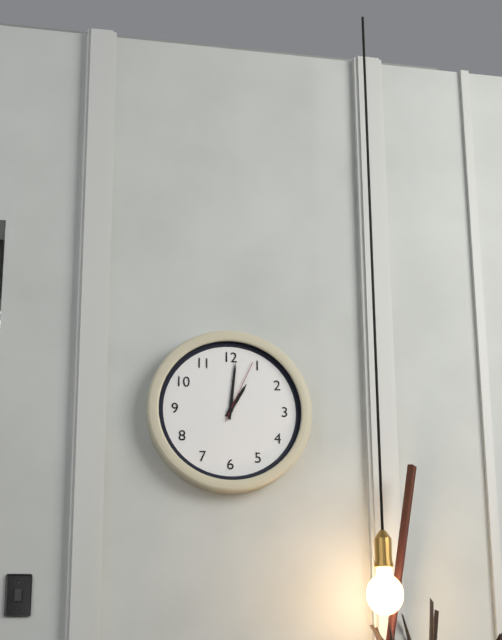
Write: 1h01m04s
